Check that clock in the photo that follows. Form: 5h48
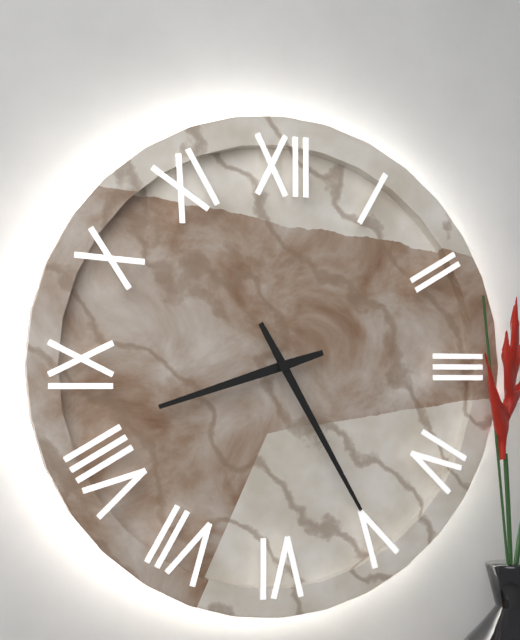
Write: 8h25
